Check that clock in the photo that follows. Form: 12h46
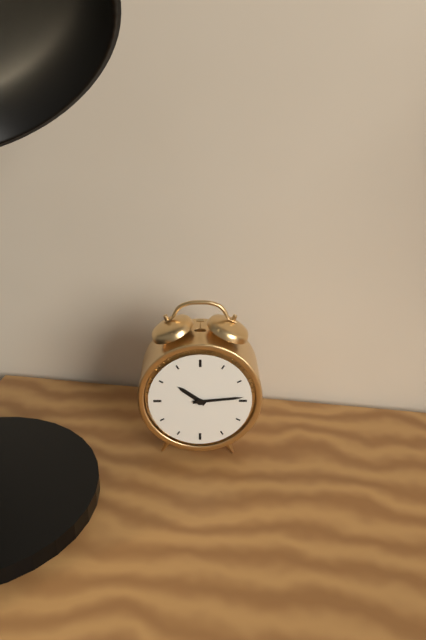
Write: 10h14
